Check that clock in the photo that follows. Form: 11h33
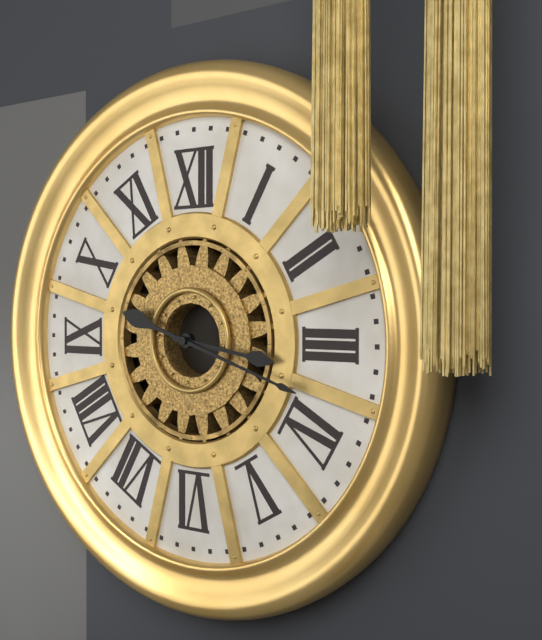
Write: 3h18
